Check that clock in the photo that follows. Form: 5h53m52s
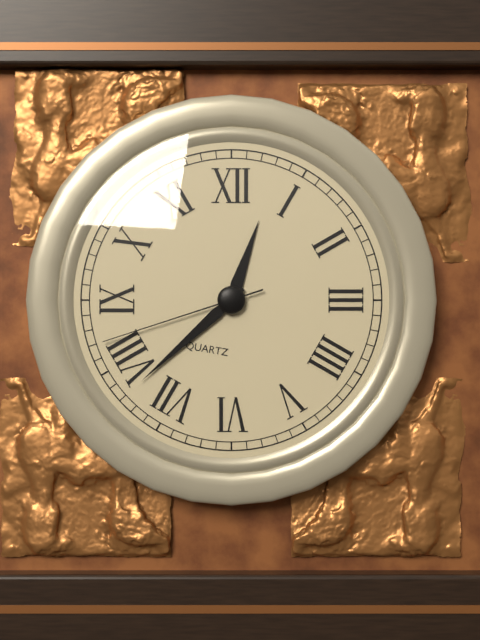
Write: 12h38m42s
